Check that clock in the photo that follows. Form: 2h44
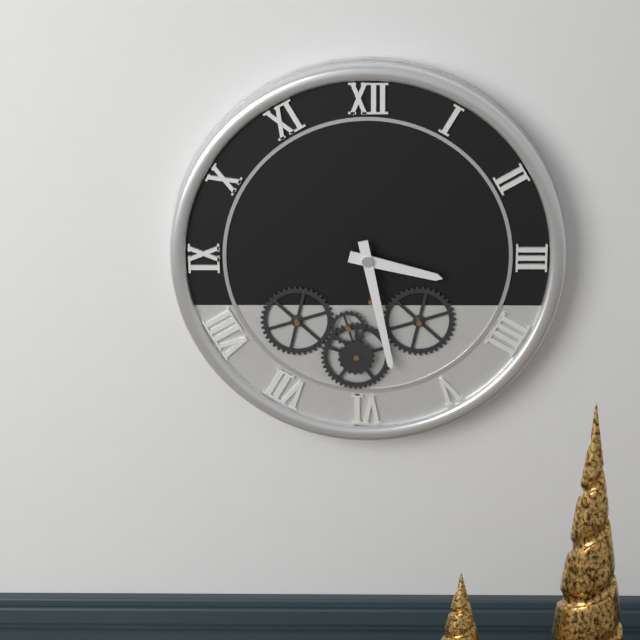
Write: 3h28
